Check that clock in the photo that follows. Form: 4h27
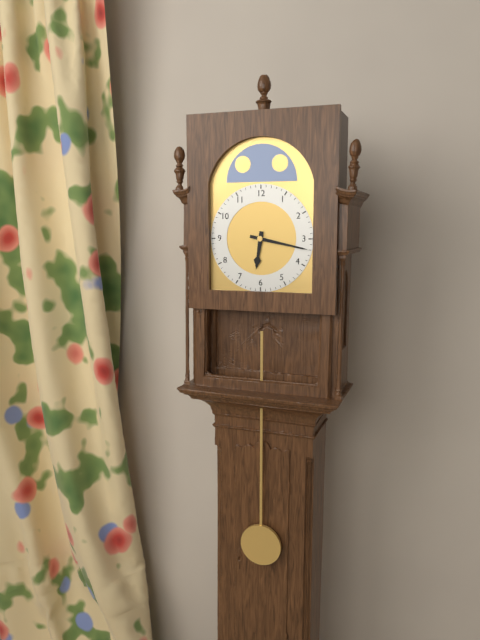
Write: 6h17
